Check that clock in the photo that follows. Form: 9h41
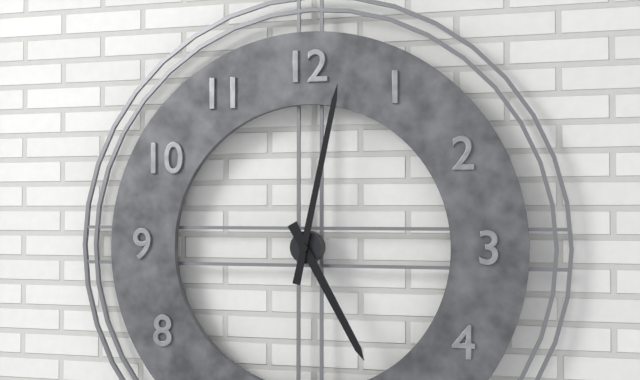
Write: 5h02
